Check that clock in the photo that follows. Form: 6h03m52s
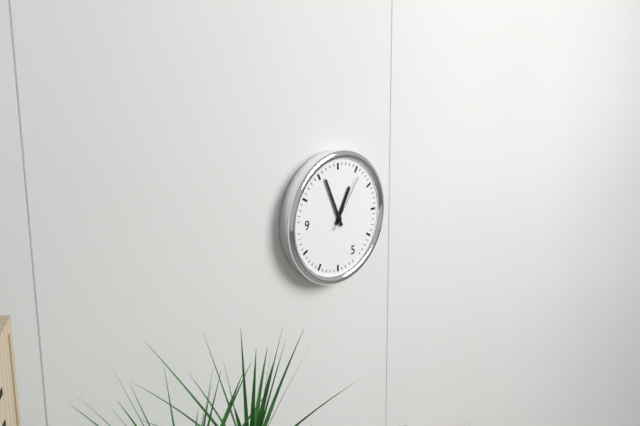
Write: 12h56m06s
